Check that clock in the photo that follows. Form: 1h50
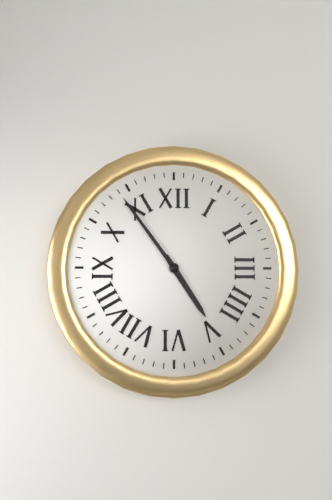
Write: 4h54
